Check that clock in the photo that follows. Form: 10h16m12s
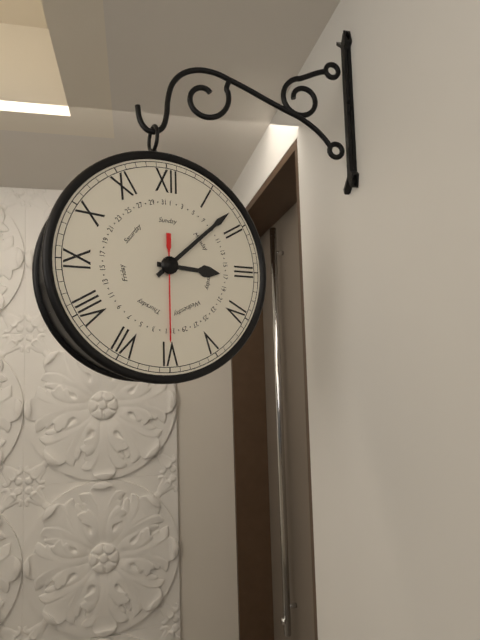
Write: 3h08m30s
